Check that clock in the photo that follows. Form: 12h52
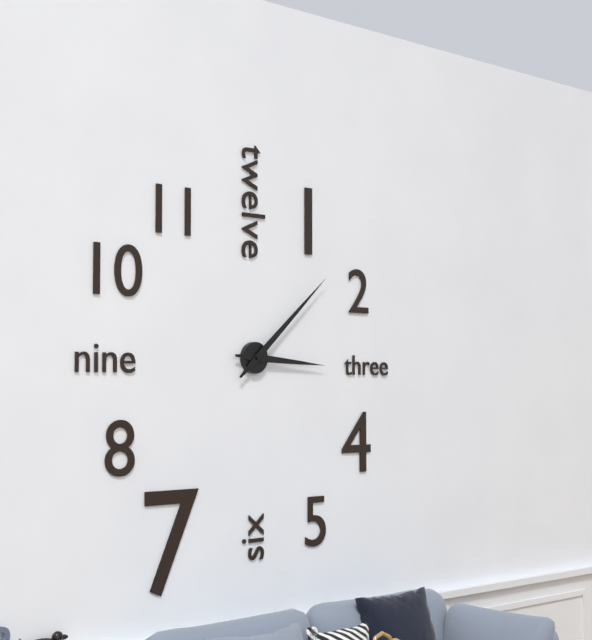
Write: 3h08
